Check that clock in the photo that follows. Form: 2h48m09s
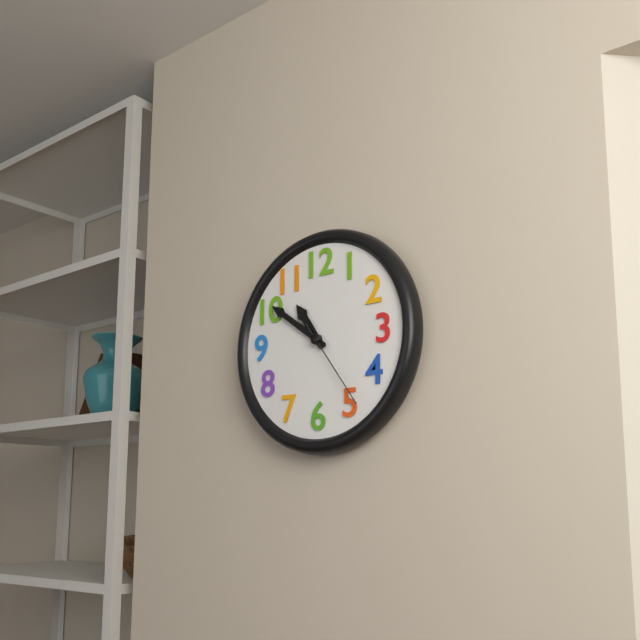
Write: 10h51m24s
